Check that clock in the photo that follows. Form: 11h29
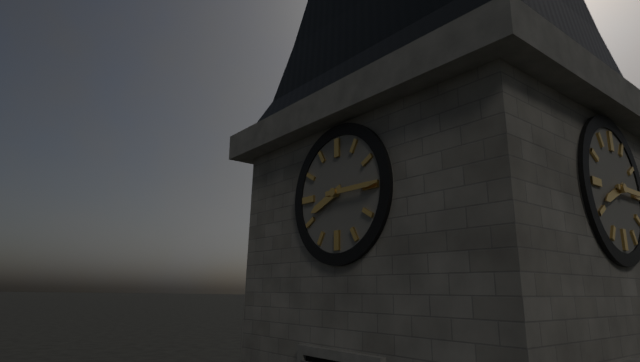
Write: 8h15
